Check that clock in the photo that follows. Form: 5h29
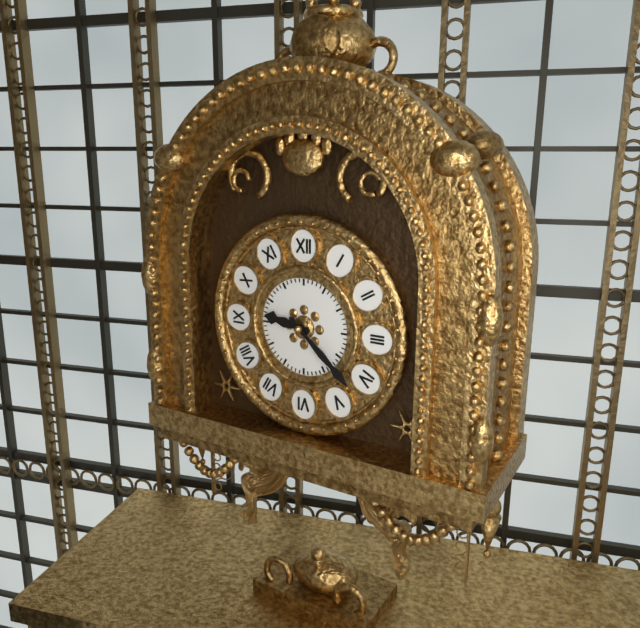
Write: 9h22
